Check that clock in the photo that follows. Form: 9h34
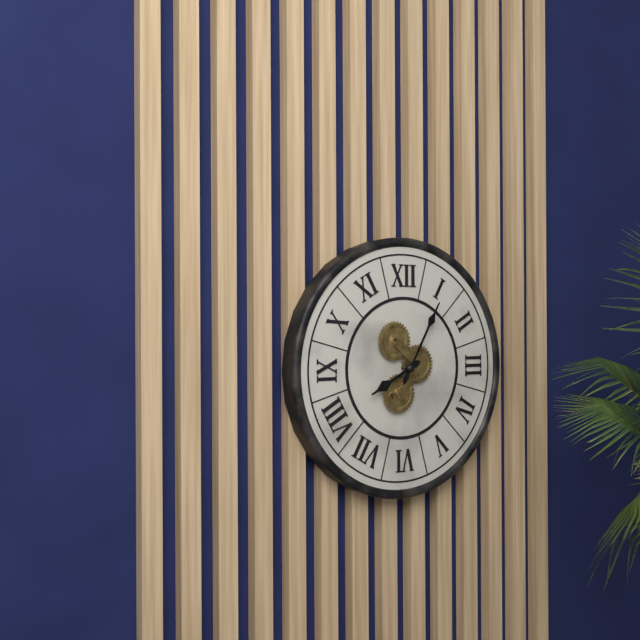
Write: 8h05
